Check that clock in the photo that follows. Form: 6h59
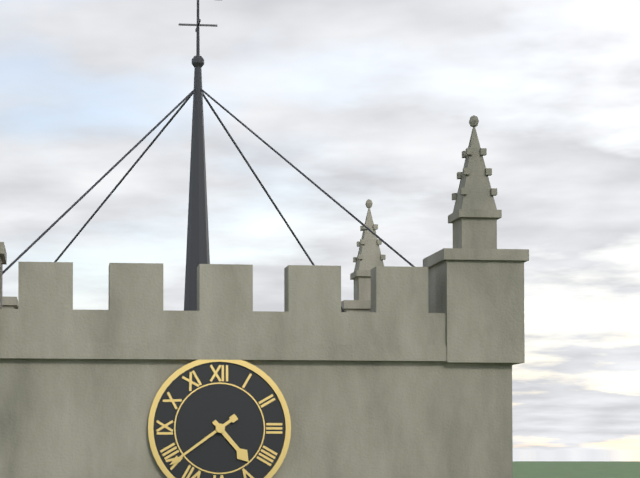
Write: 4h39
